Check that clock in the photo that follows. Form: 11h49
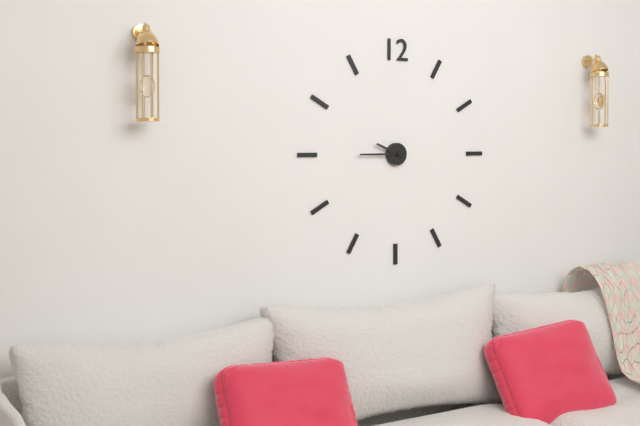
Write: 9h45
